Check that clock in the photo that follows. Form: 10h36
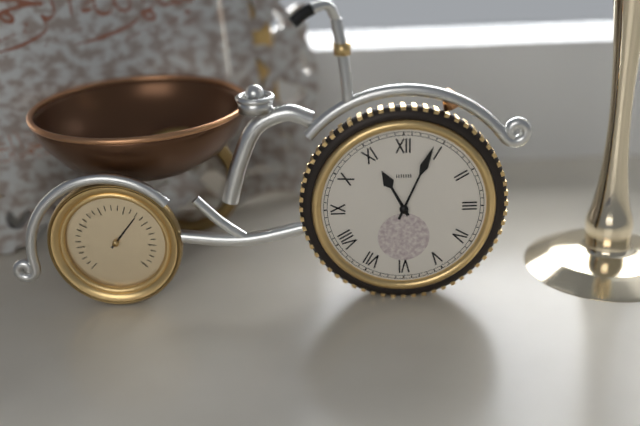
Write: 11h04
